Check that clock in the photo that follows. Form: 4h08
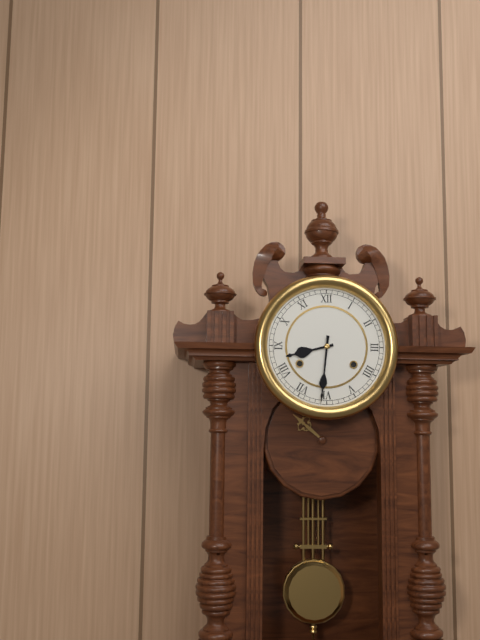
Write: 8h31
